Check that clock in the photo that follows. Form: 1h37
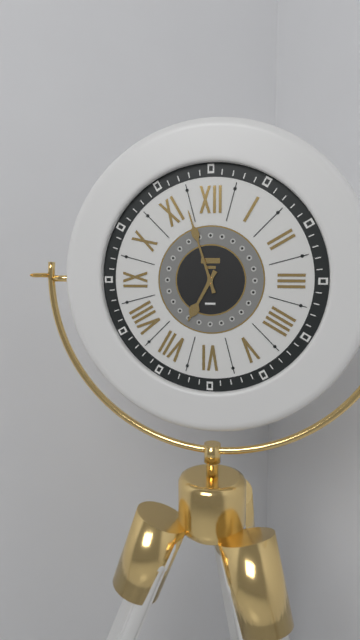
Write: 6h57
